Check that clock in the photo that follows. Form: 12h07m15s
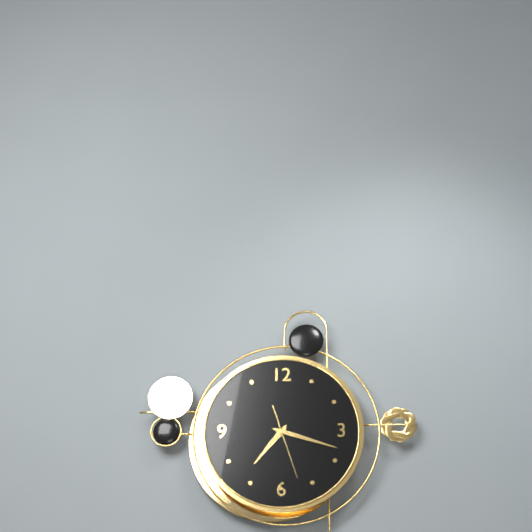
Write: 7h18m27s
